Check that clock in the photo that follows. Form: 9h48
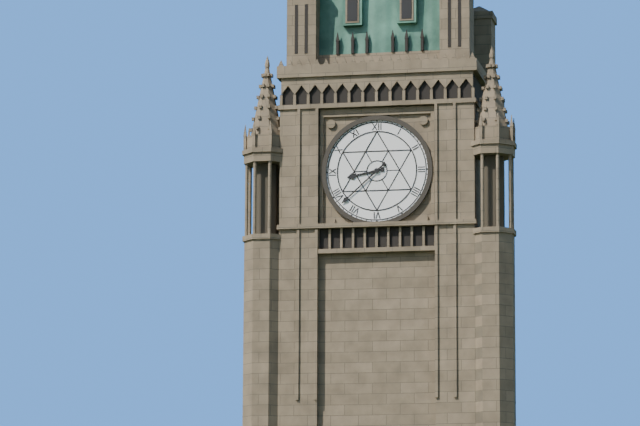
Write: 8h38
